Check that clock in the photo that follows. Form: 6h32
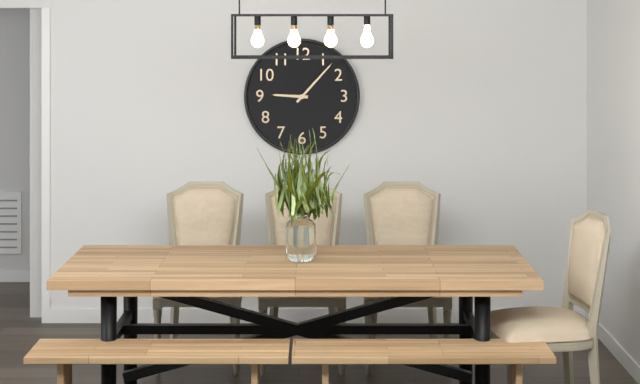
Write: 9h07
